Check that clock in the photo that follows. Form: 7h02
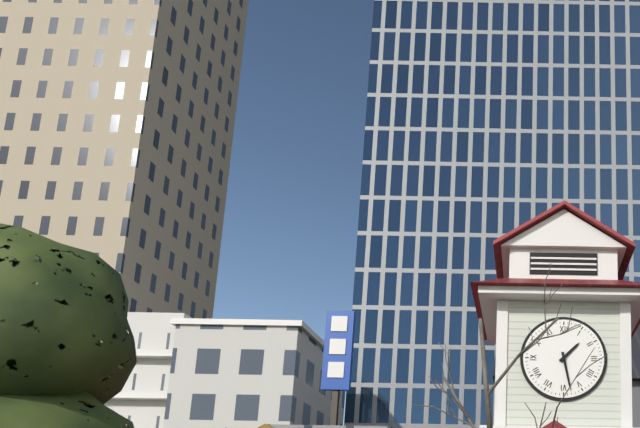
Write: 1h28
